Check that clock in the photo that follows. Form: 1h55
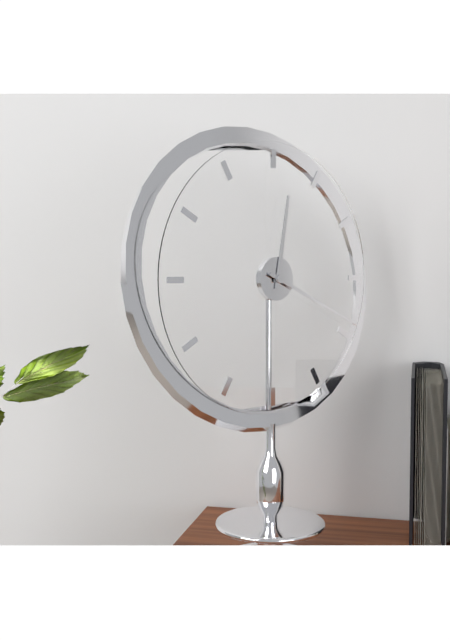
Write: 12h19
